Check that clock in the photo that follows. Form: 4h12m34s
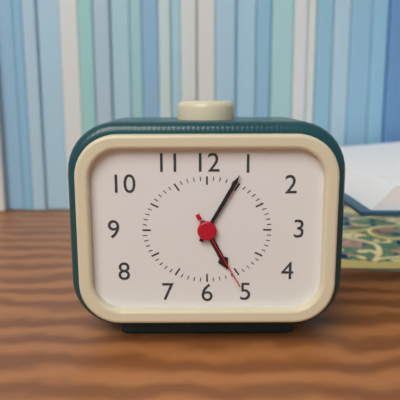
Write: 5h05m25s
